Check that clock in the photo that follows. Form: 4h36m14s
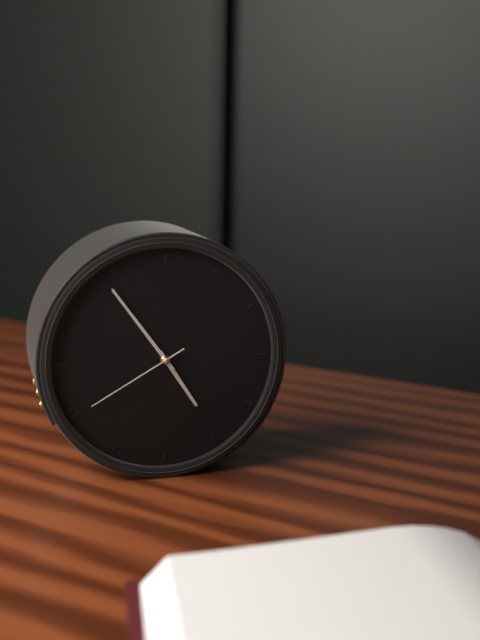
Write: 4h54m40s
